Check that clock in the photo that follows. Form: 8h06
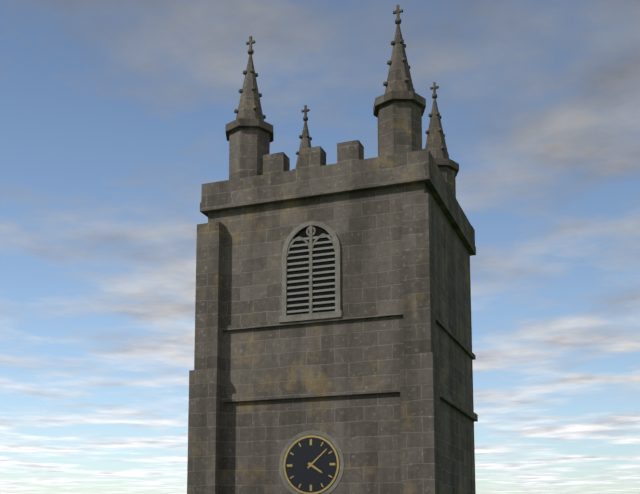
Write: 4h08
